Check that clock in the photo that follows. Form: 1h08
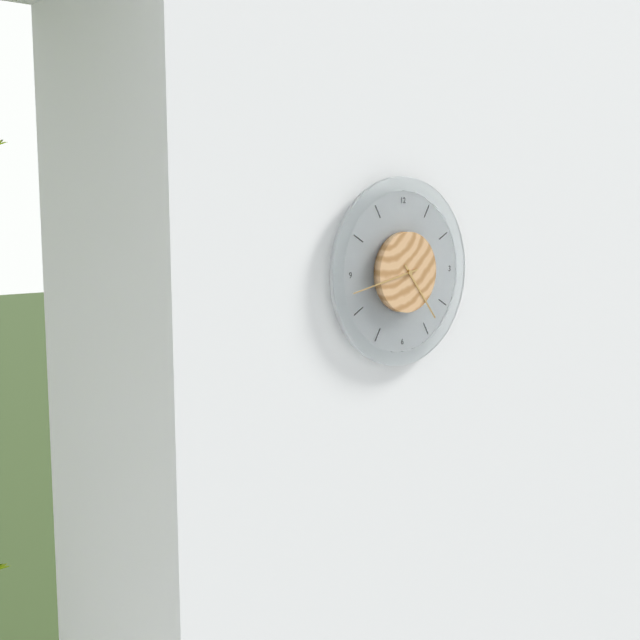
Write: 4h43
